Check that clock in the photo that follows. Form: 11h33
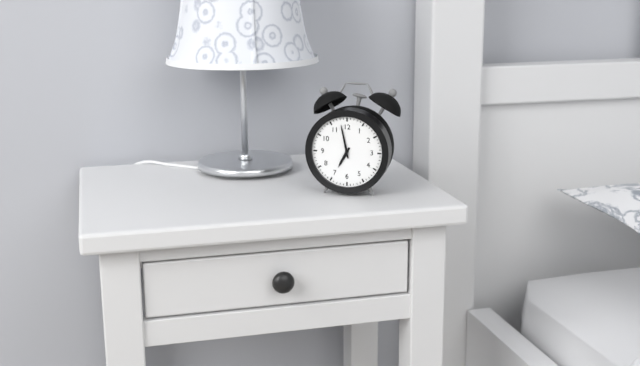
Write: 6h58
